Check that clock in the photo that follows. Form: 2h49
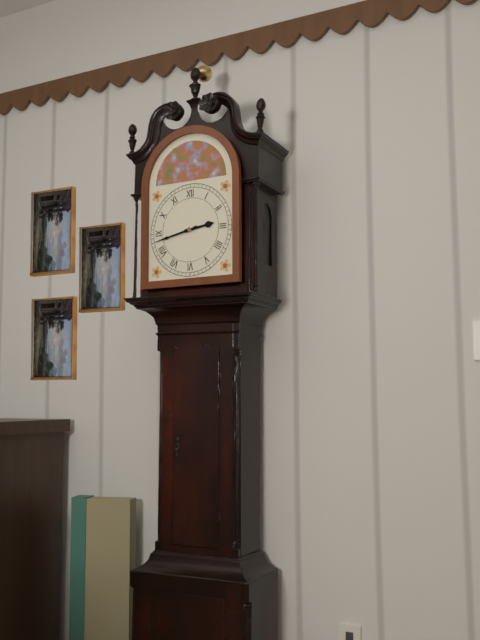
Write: 2h43
